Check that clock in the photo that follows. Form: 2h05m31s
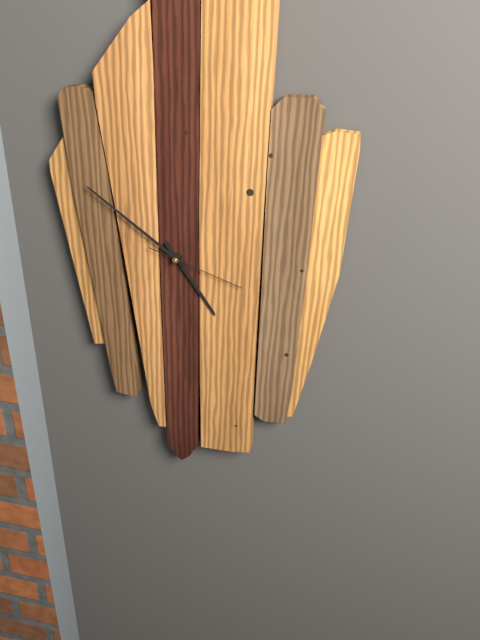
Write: 4h51m18s
